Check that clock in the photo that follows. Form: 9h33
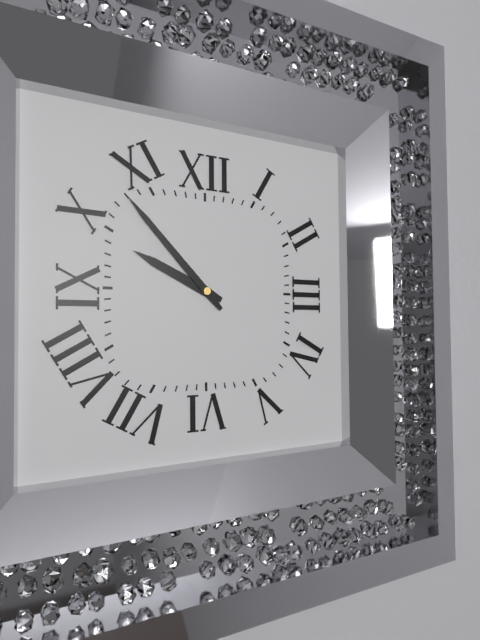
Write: 9h53
